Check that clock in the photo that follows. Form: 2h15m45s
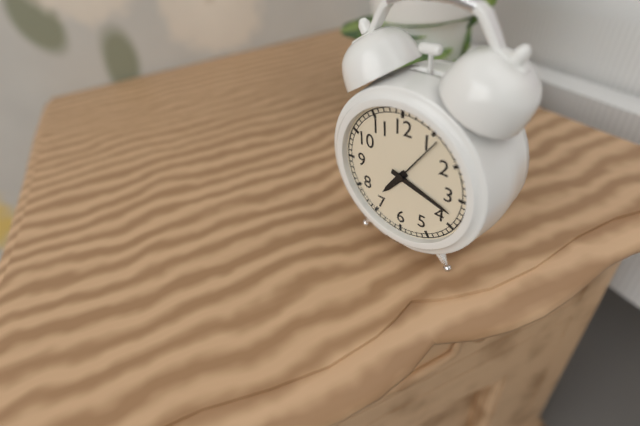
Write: 7h18m06s
